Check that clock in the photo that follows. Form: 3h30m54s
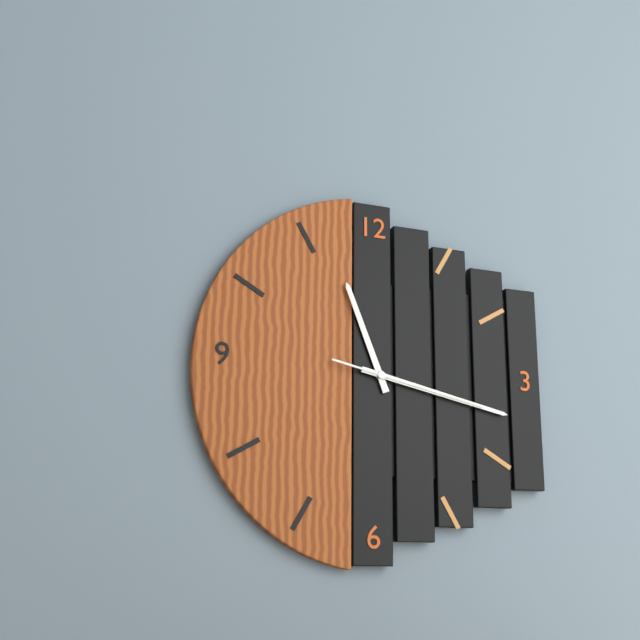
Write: 11h17m17s
